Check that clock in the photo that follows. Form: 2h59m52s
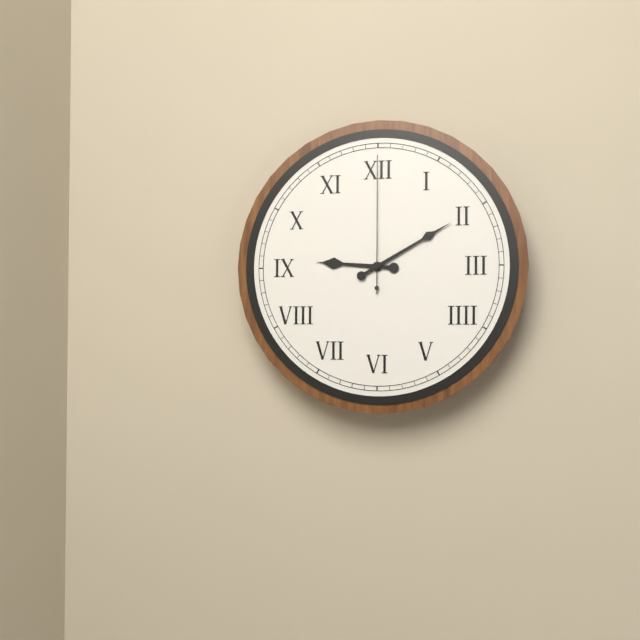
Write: 9h10m00s
